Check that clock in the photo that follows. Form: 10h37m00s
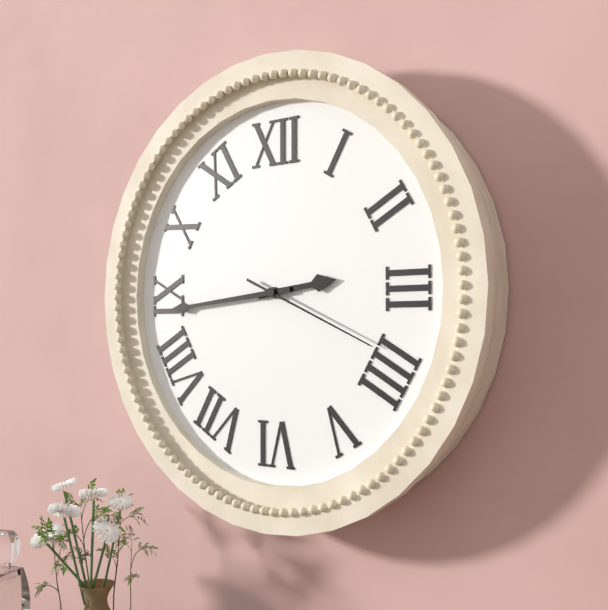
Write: 2h44m19s
